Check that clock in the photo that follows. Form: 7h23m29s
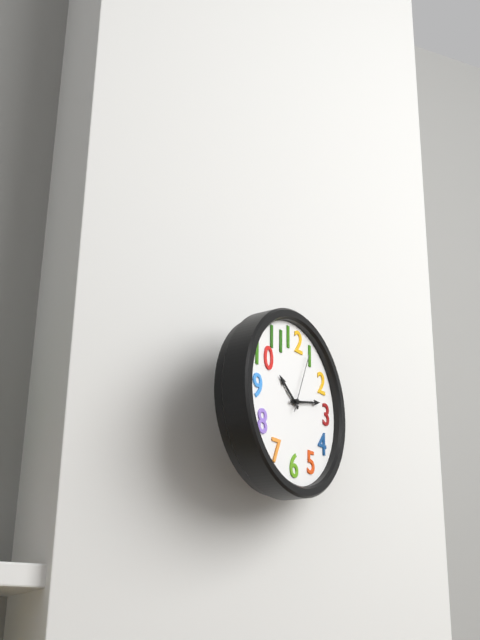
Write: 10h13m04s
